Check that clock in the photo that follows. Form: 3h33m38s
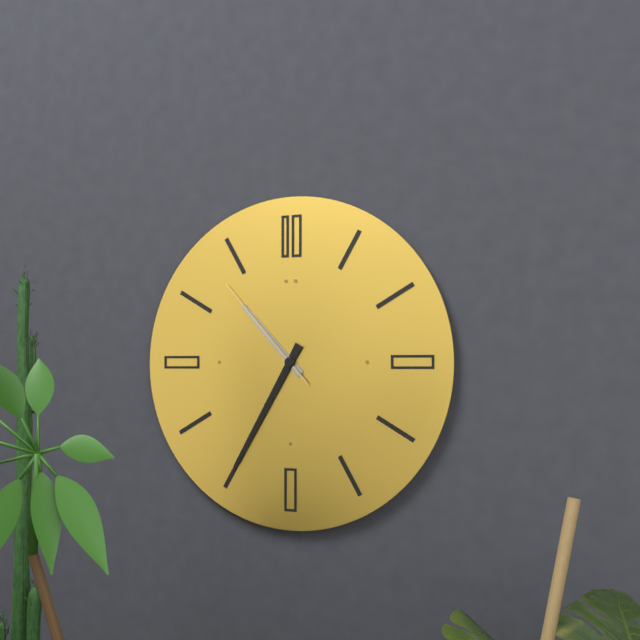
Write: 10h35m53s
